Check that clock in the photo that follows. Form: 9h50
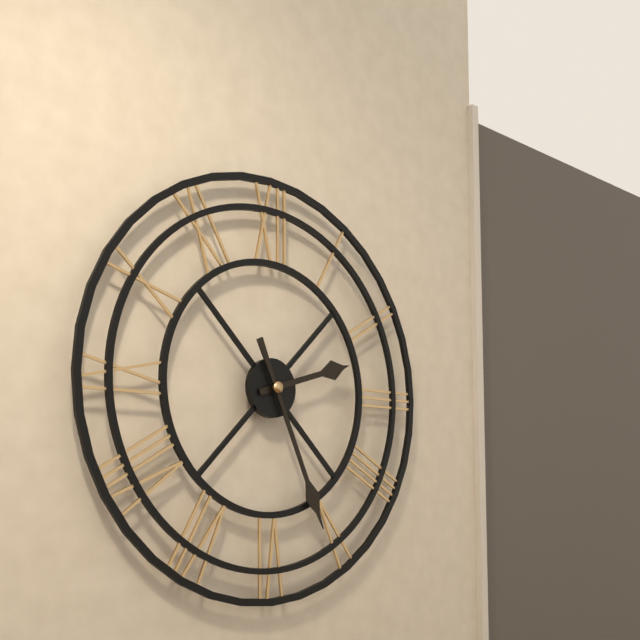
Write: 2h26
